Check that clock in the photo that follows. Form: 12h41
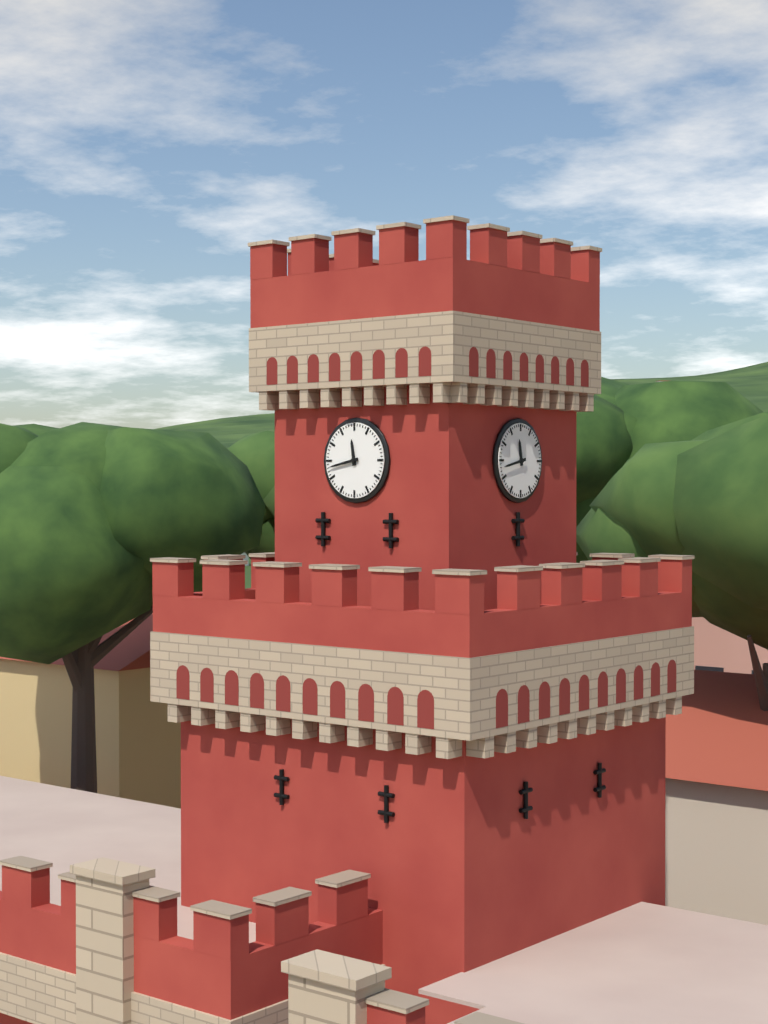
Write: 11h43
